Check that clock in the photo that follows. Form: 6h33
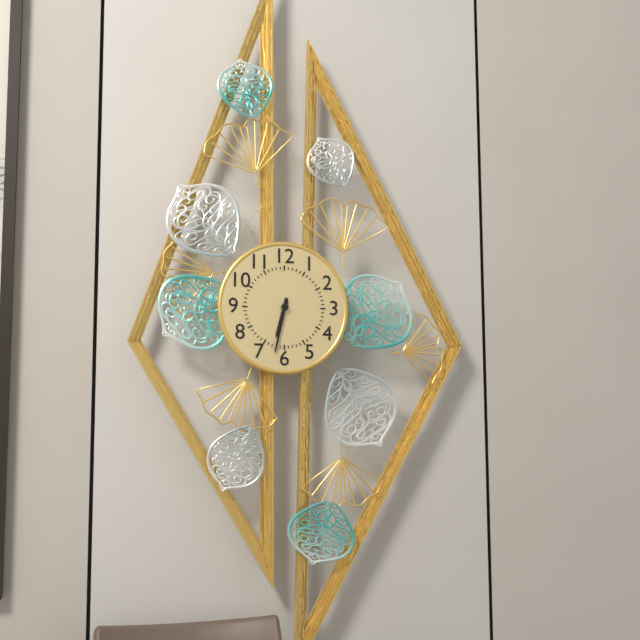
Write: 6h32
